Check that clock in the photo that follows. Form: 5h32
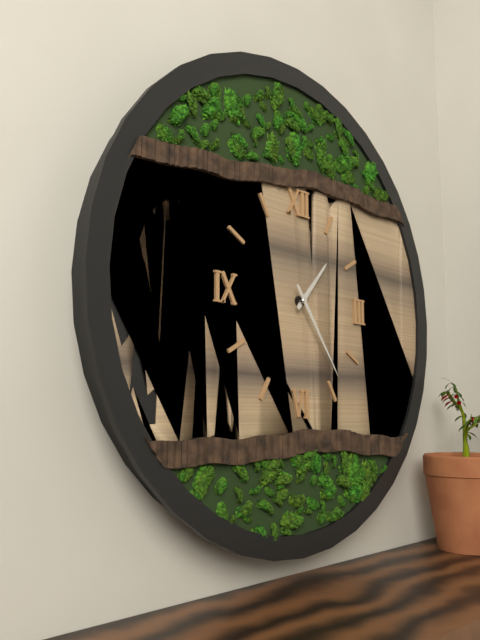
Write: 1h24
